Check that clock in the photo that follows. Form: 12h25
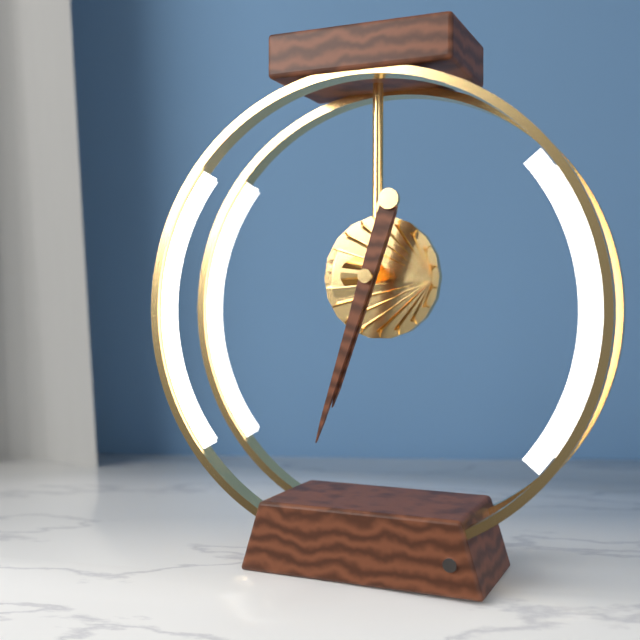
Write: 6h33
